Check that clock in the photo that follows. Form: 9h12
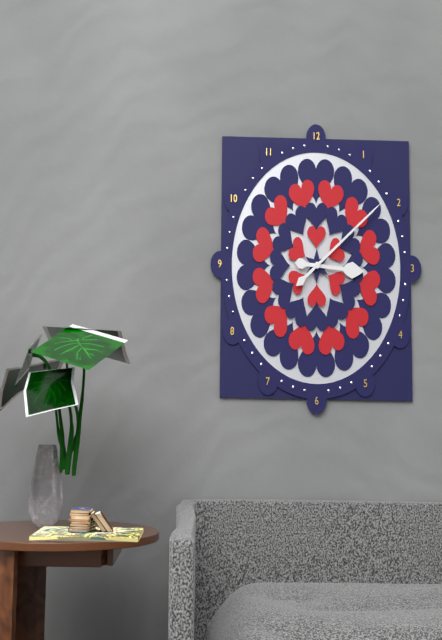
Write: 3h09
